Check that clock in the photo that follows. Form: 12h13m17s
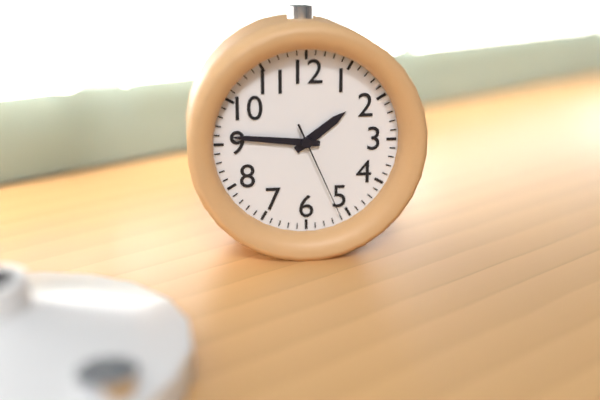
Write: 1h46m26s
